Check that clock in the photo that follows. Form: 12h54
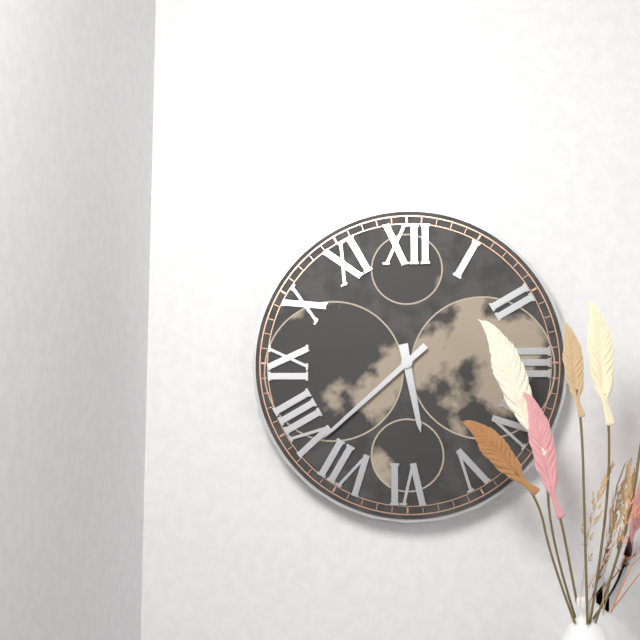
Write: 5h38
